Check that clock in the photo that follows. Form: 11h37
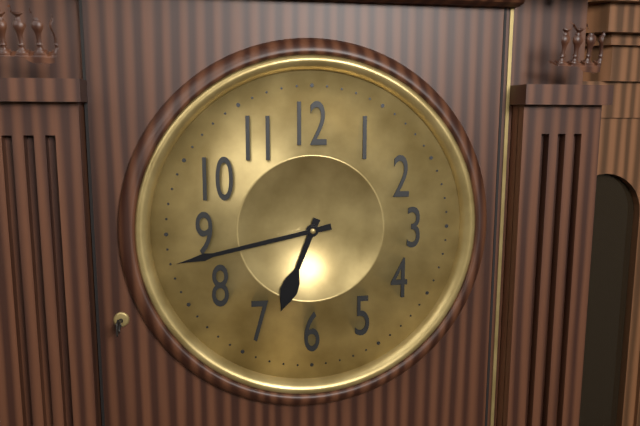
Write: 6h43
